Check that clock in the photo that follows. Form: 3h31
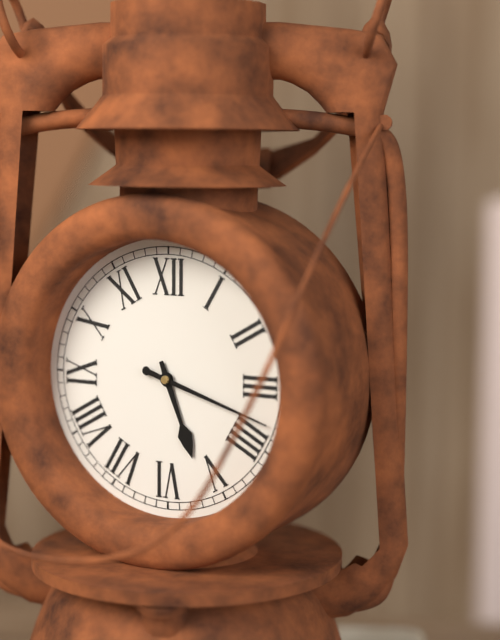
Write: 5h18
